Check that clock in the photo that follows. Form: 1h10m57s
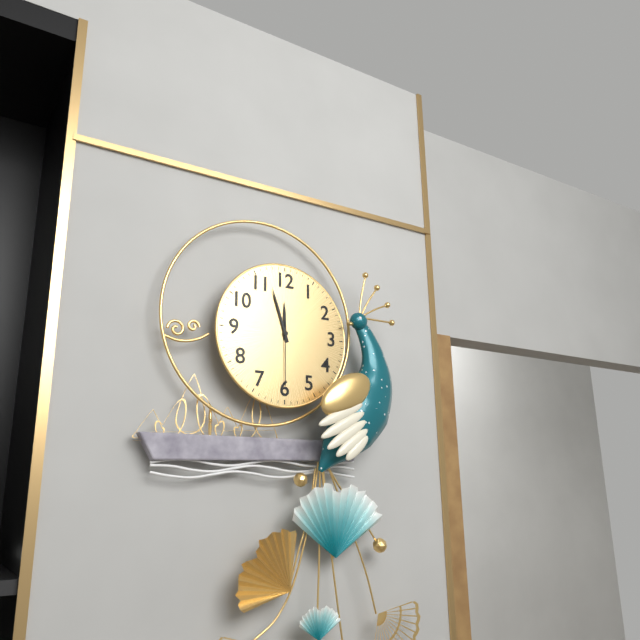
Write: 11h57m30s
